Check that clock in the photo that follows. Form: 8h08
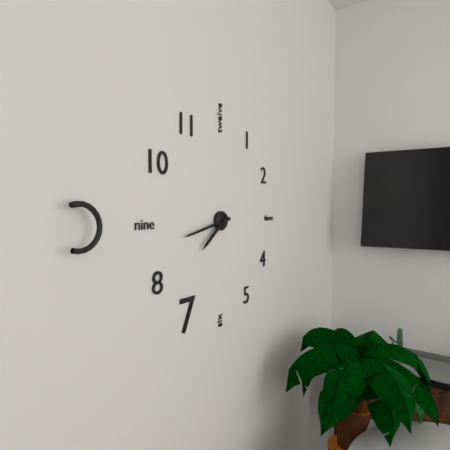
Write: 7h43
